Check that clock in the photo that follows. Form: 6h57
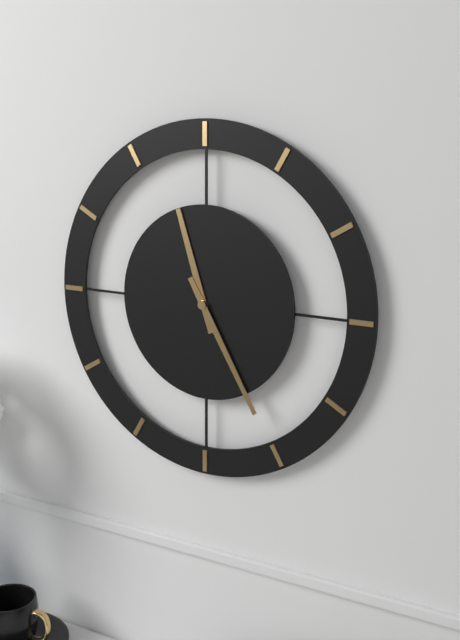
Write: 11h25
